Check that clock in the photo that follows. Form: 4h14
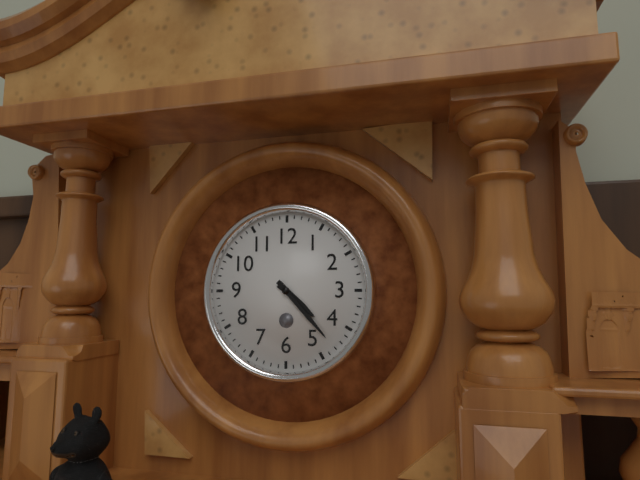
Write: 4h23
